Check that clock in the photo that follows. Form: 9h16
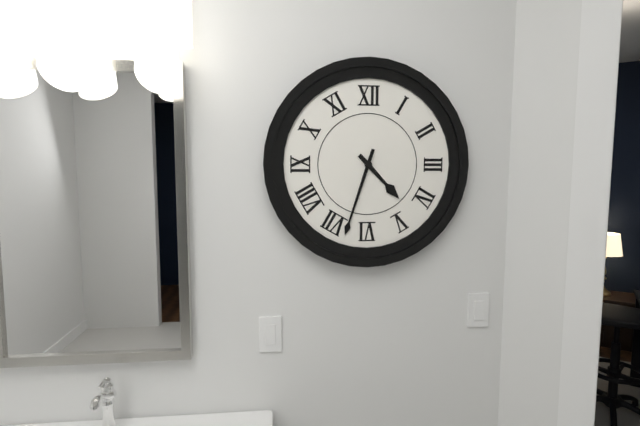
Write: 4h33
